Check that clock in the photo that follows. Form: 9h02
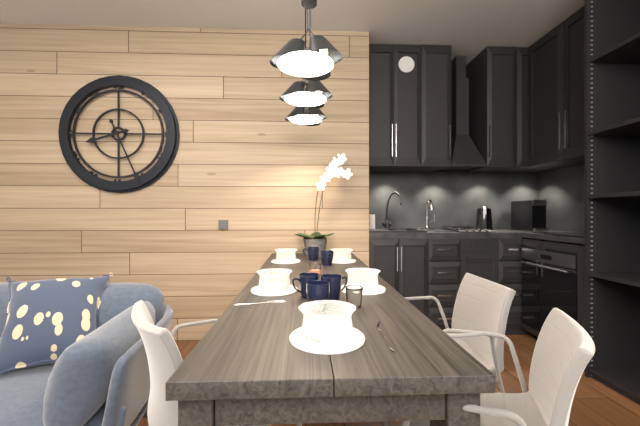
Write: 8h26
